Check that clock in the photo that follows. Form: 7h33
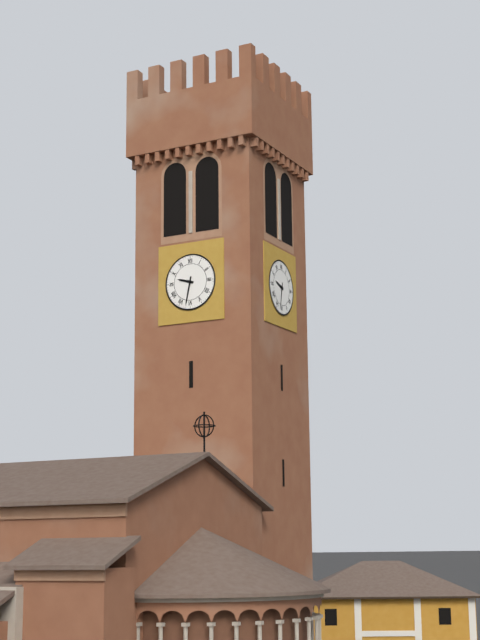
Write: 9h32
